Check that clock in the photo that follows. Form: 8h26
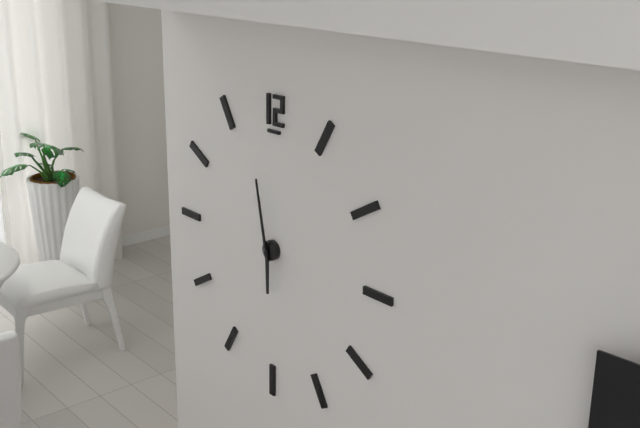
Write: 5h58
